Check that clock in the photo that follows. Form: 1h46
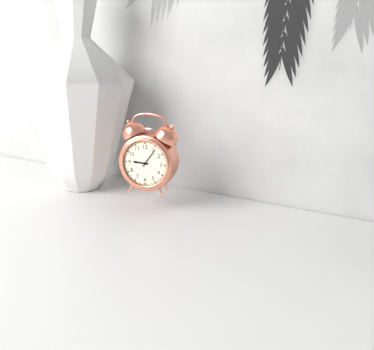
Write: 9h06
